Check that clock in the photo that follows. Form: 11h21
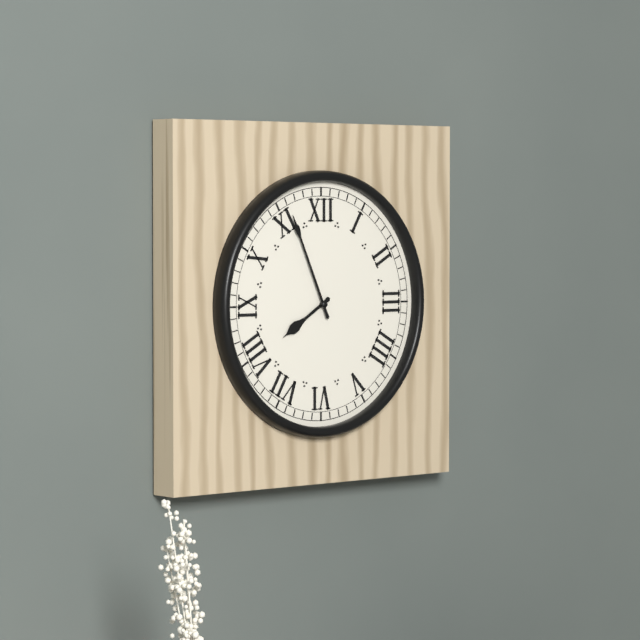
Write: 7h56
